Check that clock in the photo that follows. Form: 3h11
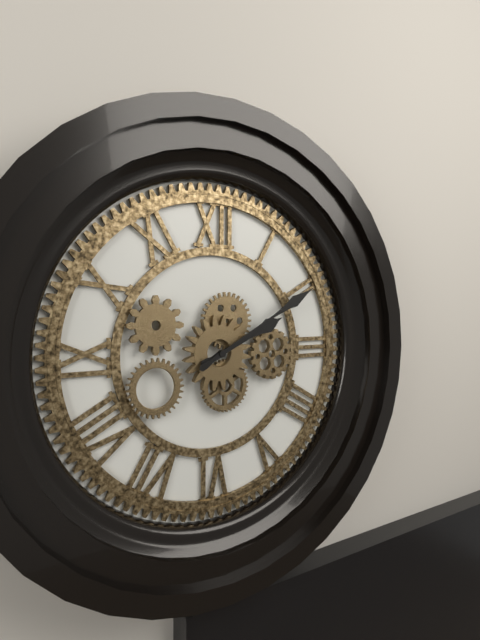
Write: 2h10
